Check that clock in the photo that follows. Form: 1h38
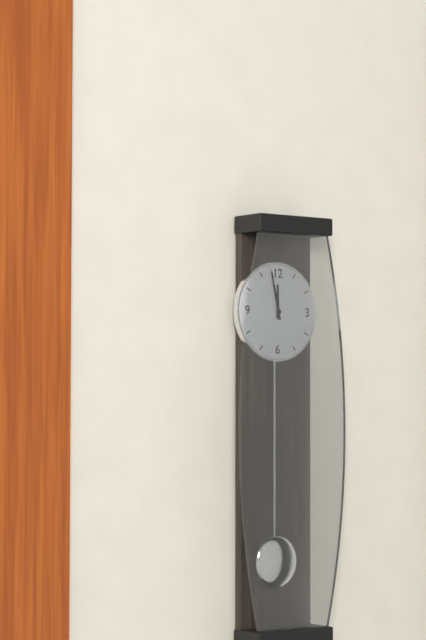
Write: 11h58
